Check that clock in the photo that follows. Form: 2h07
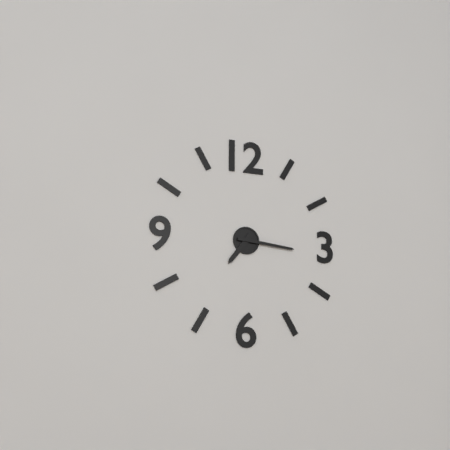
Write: 7h16
